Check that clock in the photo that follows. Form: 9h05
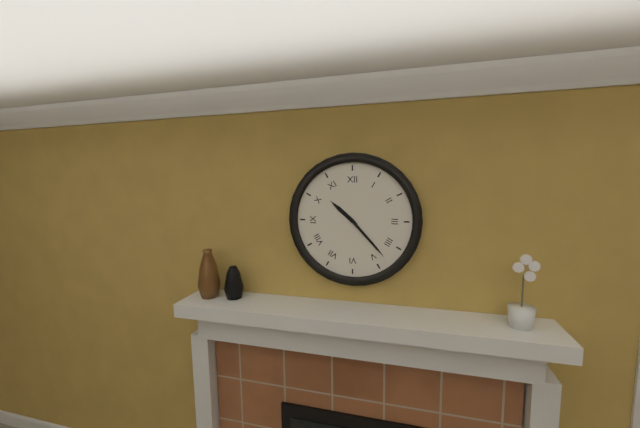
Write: 10h23
